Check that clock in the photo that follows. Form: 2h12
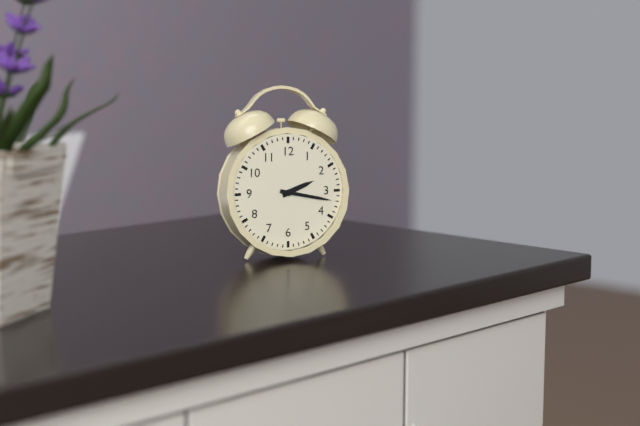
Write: 2h17
